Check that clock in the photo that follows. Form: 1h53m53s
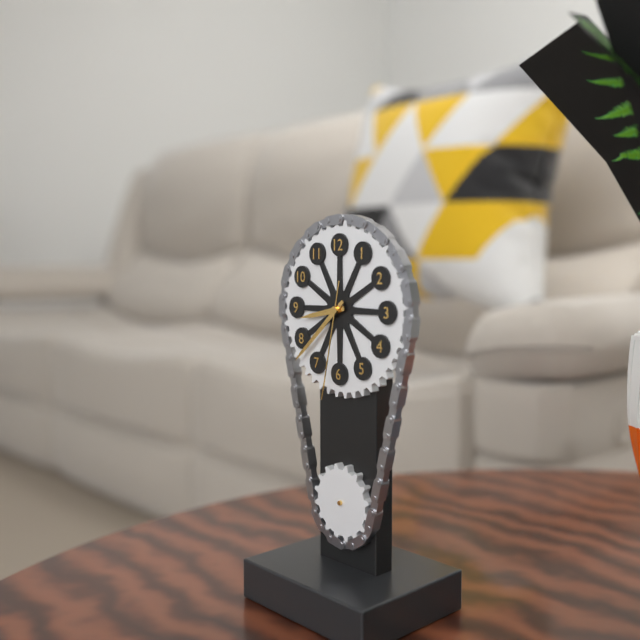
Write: 8h38m32s
